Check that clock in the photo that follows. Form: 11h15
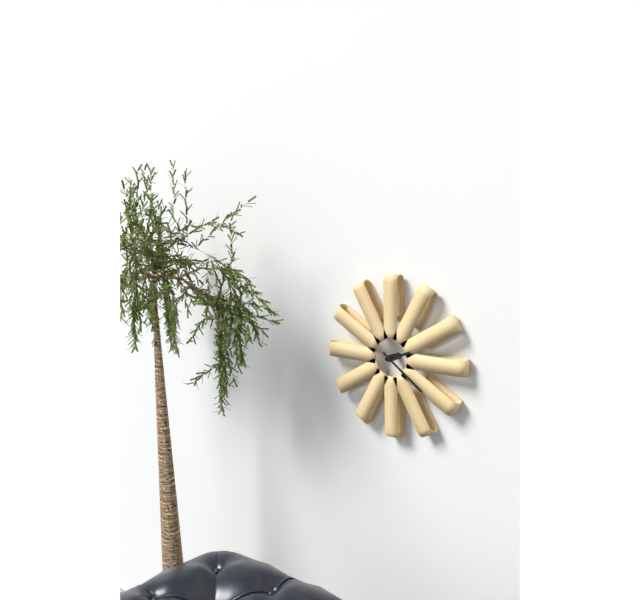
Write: 2h21
